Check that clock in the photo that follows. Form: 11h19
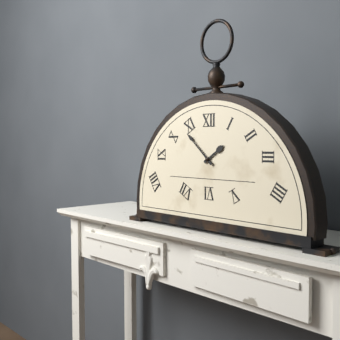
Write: 1h52
